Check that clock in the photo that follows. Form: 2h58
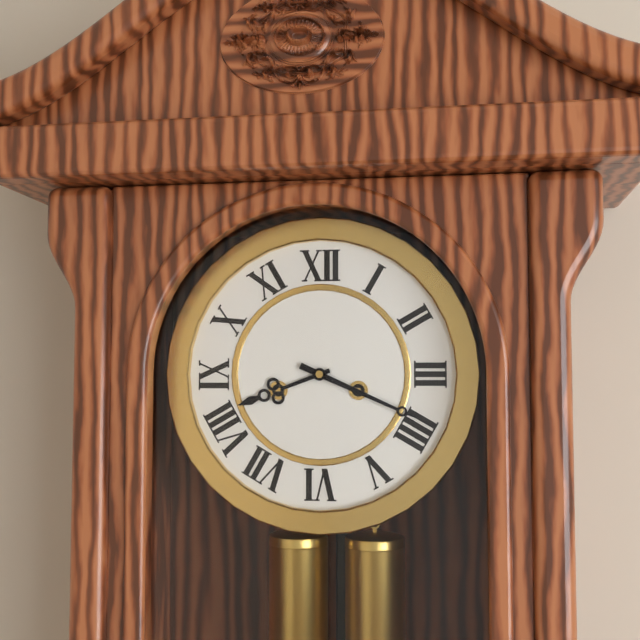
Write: 8h19
